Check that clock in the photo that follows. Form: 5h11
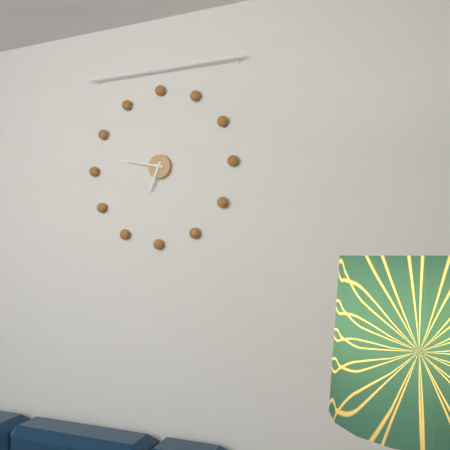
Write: 6h47
